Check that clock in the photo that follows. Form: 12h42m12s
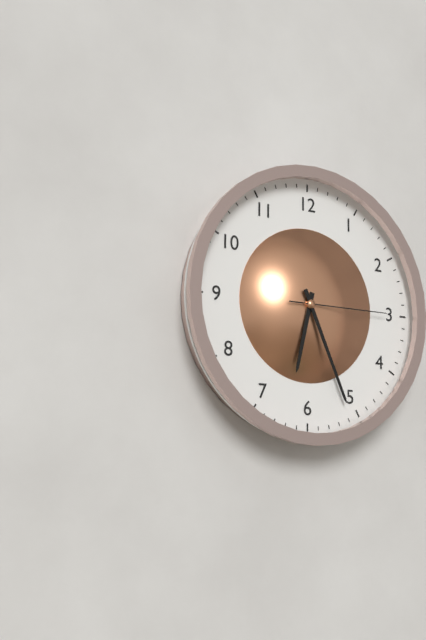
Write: 6h26m15s
